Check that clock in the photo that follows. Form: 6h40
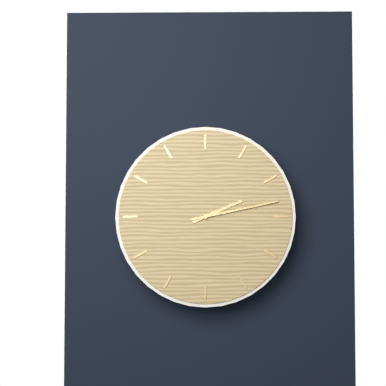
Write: 2h13
